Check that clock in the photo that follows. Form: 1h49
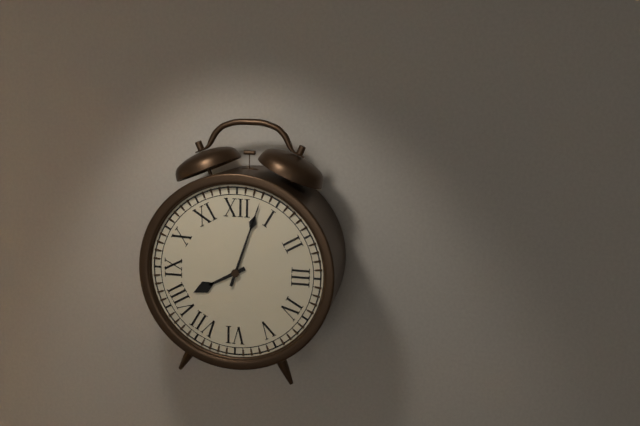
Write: 8h03
